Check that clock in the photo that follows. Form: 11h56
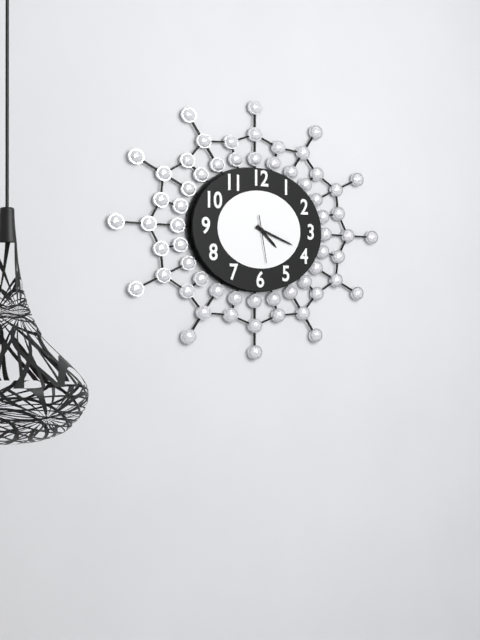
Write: 4h18
